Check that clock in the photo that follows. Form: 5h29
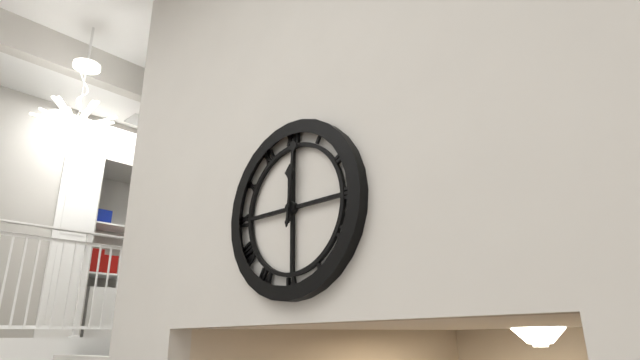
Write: 12h01
